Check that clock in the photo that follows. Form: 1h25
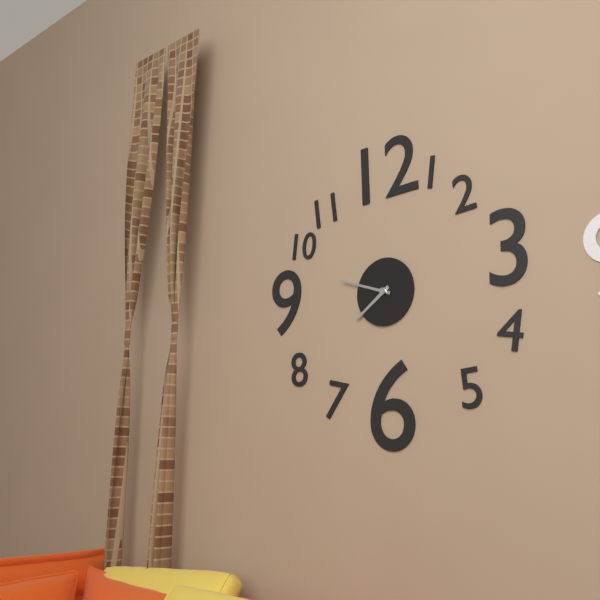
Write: 7h48
